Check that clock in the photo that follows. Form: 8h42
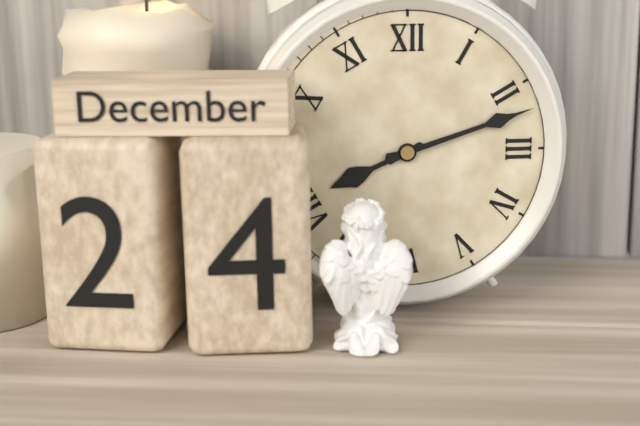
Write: 8h12
